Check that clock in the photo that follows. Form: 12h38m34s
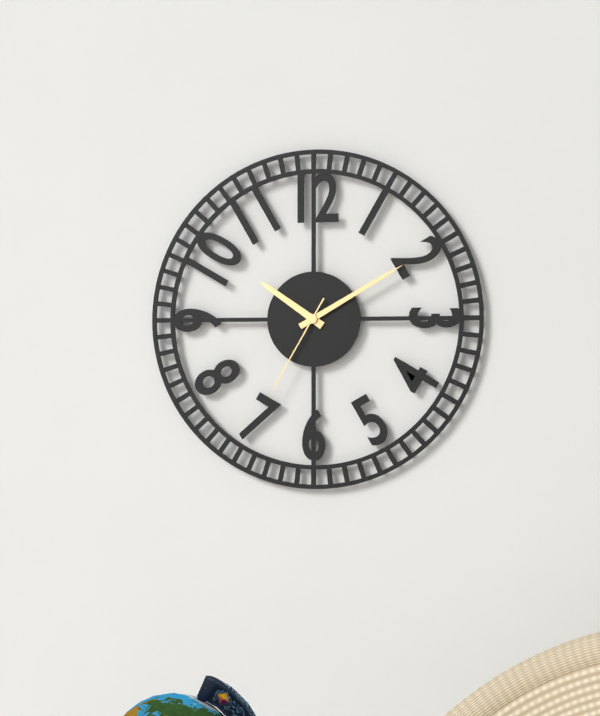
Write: 10h10m35s
